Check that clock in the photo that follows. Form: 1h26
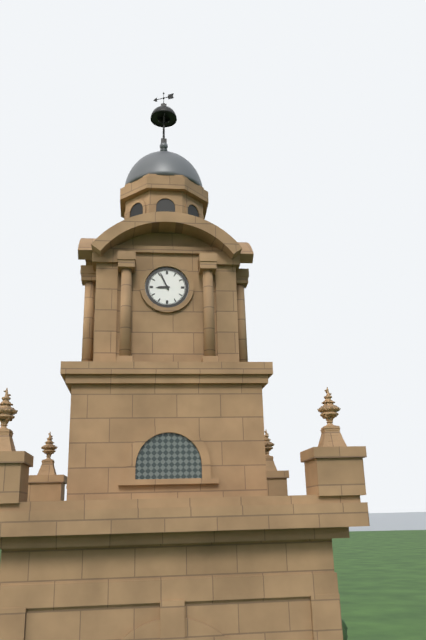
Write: 8h56
